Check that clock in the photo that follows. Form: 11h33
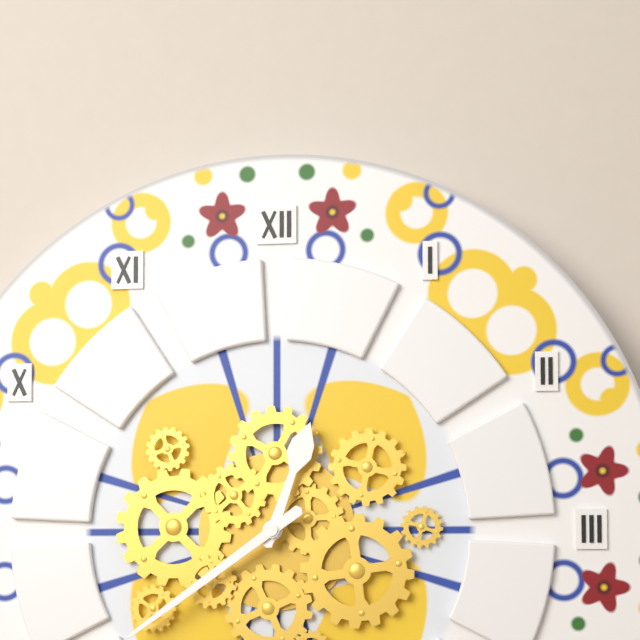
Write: 12h39
